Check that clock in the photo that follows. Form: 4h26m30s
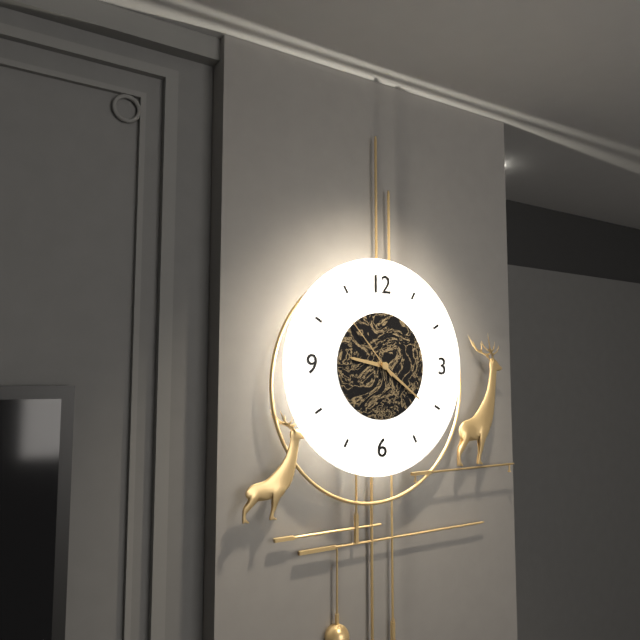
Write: 9h21m53s
